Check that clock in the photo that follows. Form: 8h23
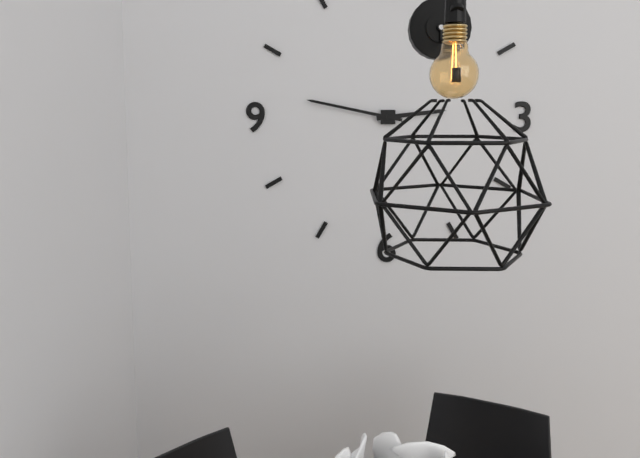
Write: 2h47
